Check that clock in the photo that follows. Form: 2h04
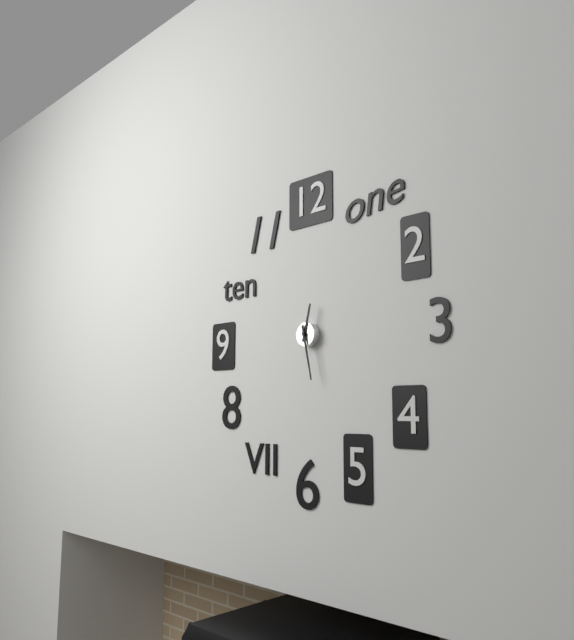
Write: 12h28
